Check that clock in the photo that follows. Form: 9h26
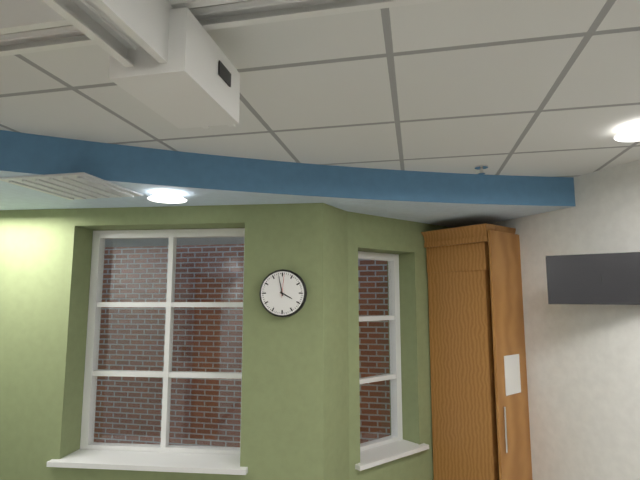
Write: 3h58
